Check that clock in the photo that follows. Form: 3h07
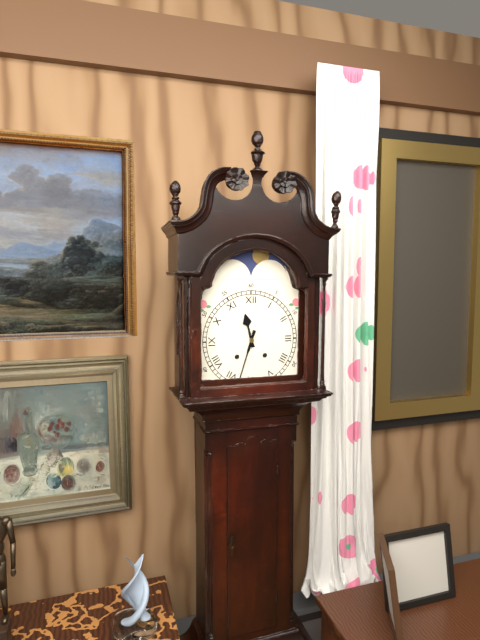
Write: 11h33
